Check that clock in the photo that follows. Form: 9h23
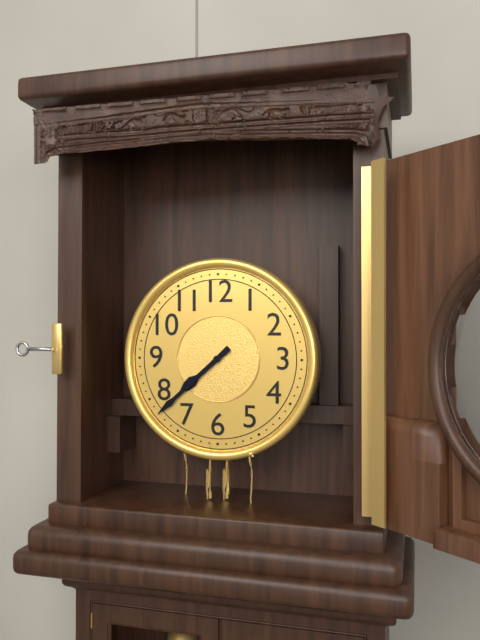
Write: 7h38
